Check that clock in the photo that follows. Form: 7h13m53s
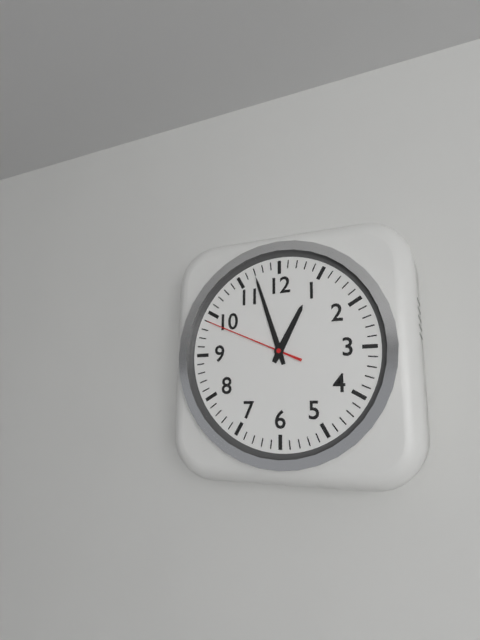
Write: 12h57m49s
